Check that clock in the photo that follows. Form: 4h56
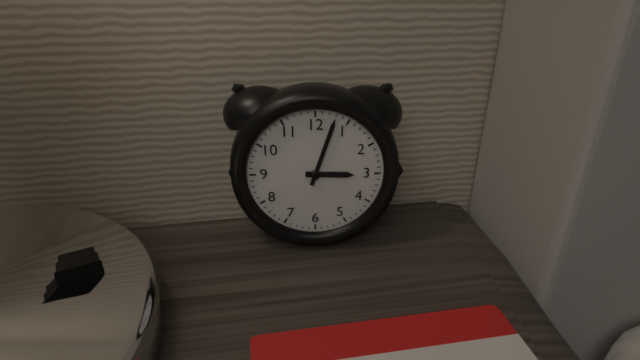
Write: 3h03
